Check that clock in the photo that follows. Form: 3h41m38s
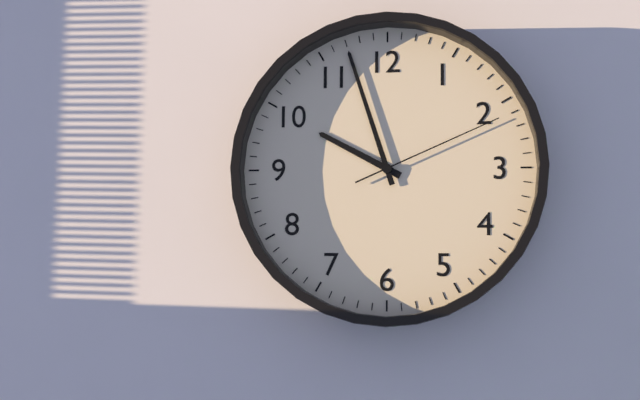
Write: 9h57m11s
